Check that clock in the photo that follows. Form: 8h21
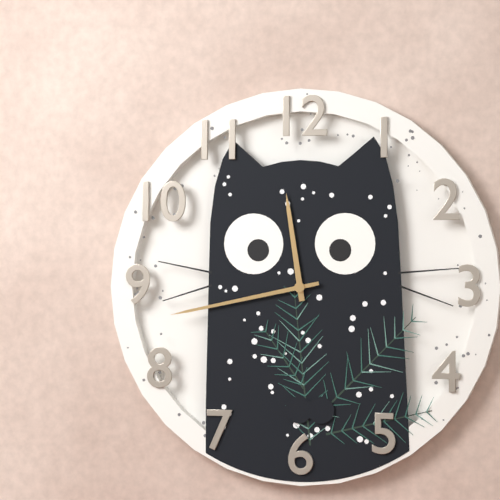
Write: 11h43
